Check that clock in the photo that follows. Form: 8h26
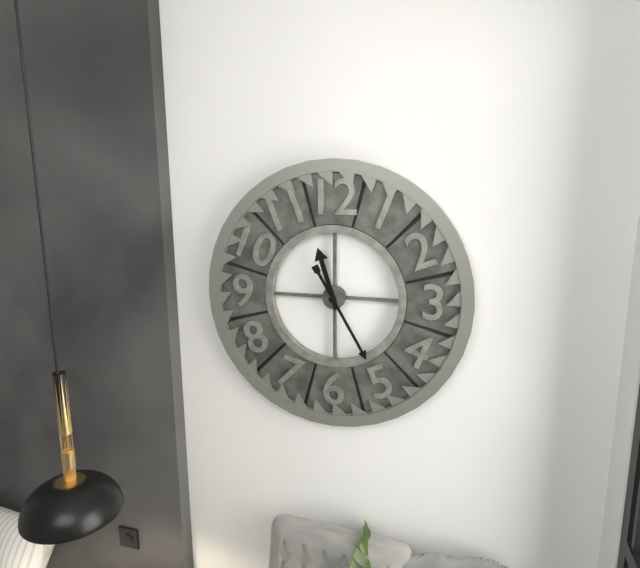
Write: 11h25
